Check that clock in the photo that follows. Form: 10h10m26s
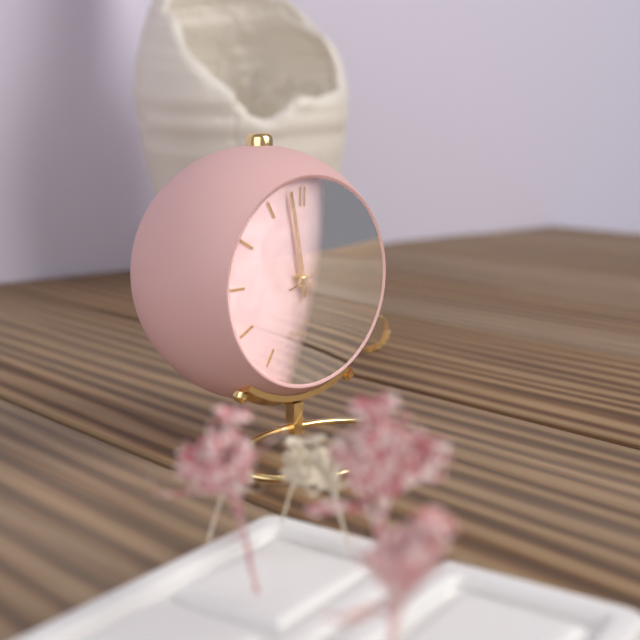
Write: 3h58m12s
